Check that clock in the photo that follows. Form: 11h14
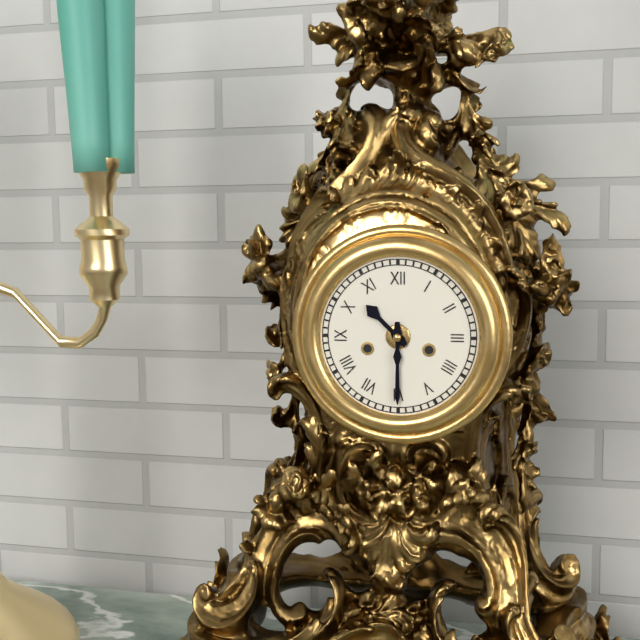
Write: 10h30
